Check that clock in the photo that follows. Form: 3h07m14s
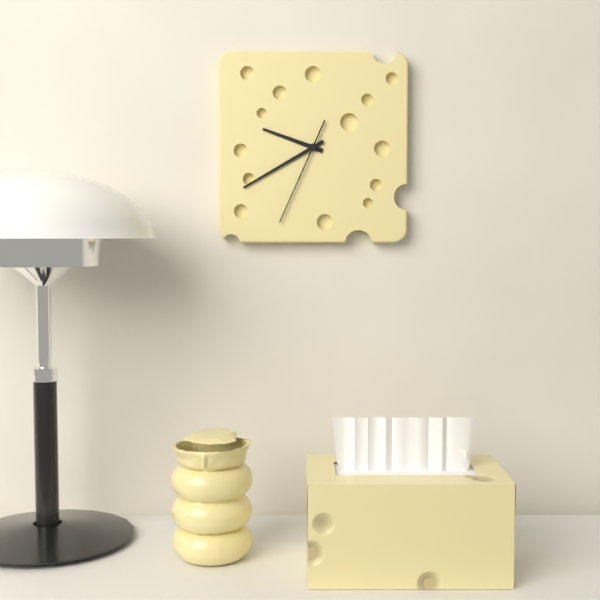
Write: 9h40m34s
